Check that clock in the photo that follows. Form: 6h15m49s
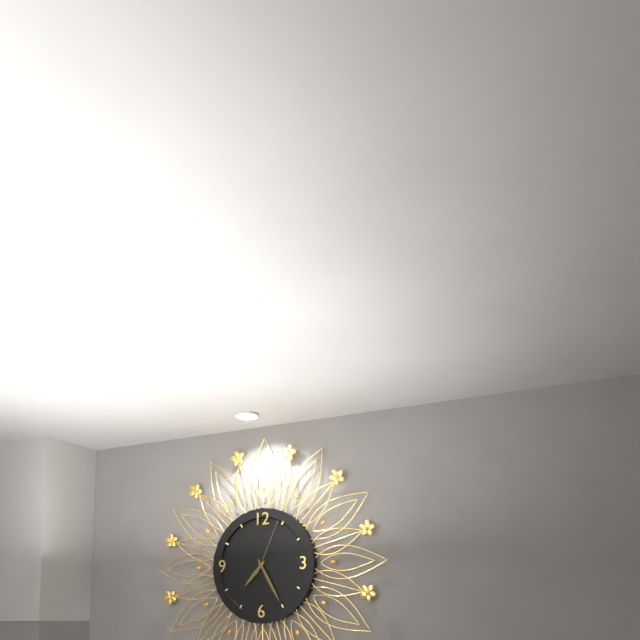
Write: 7h25m04s
